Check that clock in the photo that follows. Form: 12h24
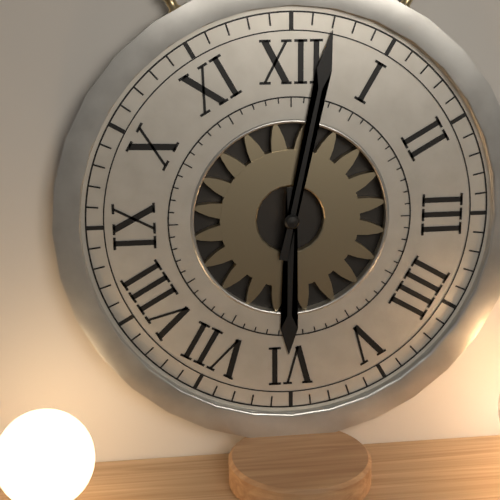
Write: 6h02
